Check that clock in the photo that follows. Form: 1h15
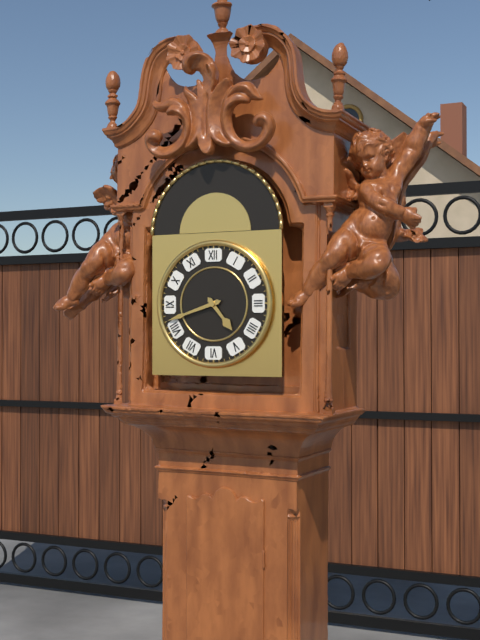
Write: 4h42
